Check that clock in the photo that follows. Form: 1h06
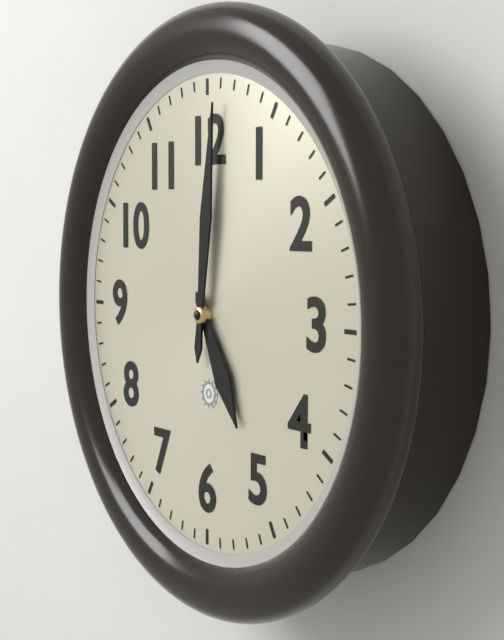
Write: 5h01
